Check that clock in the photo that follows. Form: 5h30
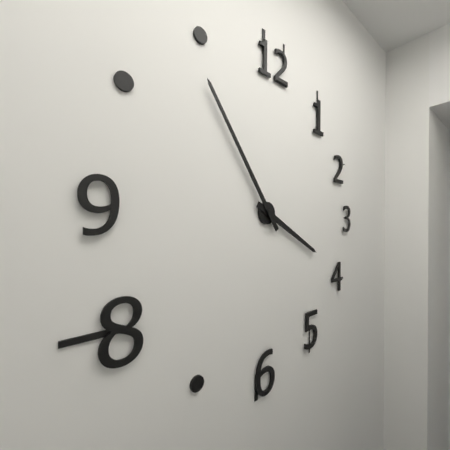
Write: 3h54
